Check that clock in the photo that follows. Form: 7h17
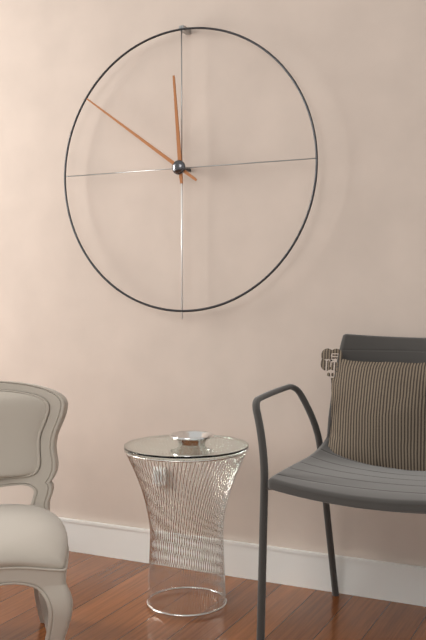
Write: 11h51
